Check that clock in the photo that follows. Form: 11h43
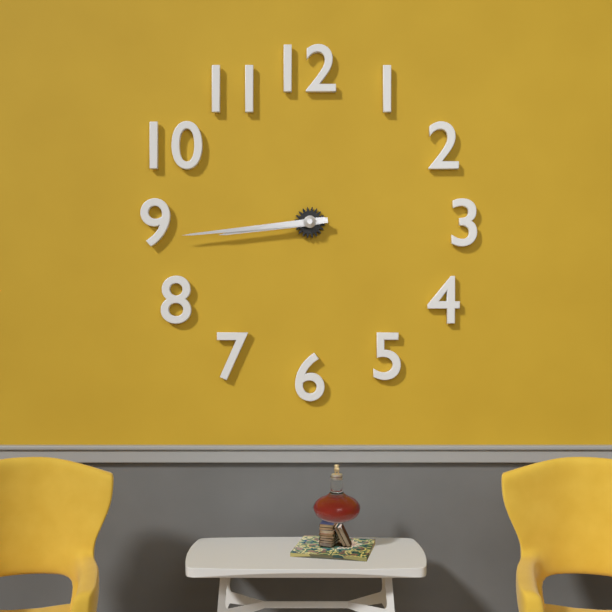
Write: 8h44
